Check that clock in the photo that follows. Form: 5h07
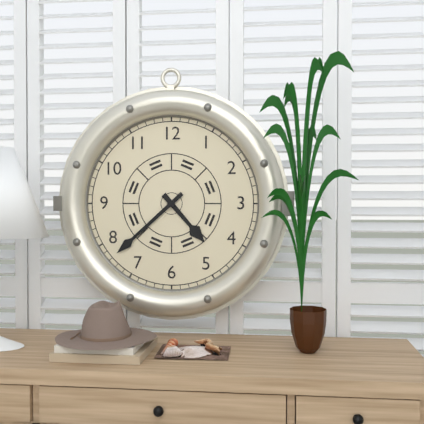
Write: 4h38
